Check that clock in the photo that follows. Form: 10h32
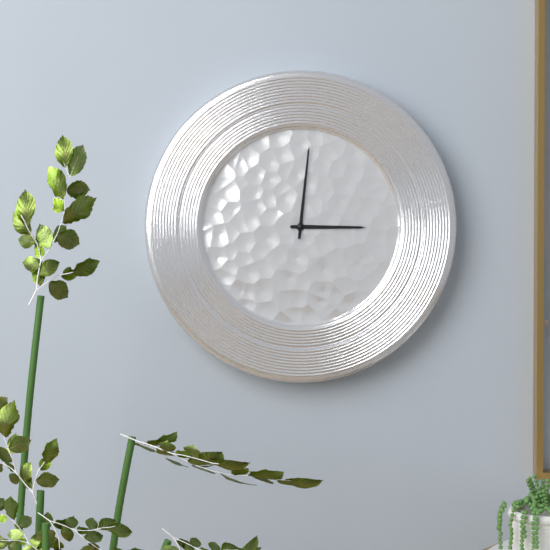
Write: 3h01
